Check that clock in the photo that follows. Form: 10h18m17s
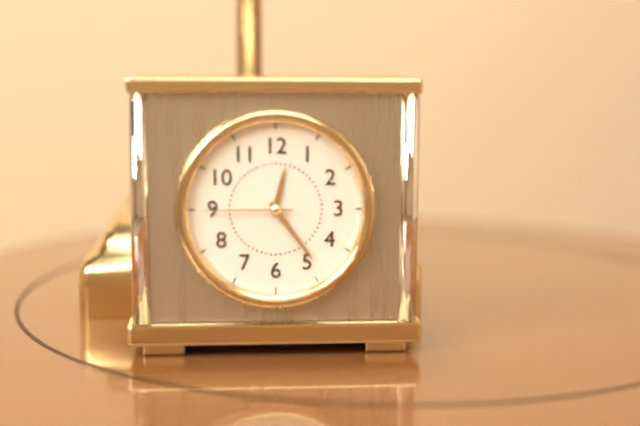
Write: 12h24m45s
